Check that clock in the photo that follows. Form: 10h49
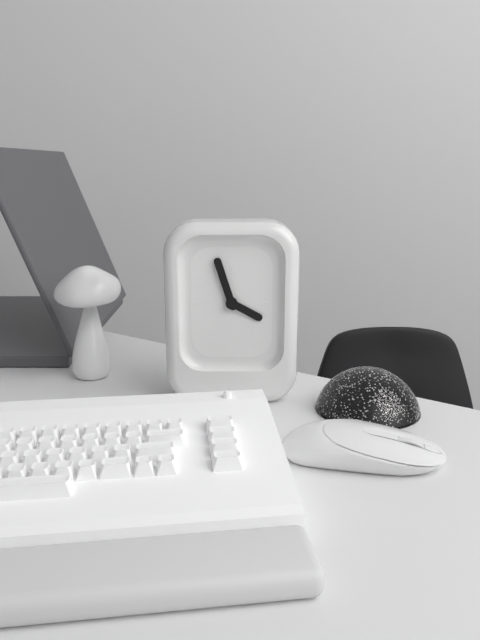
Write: 3h57
